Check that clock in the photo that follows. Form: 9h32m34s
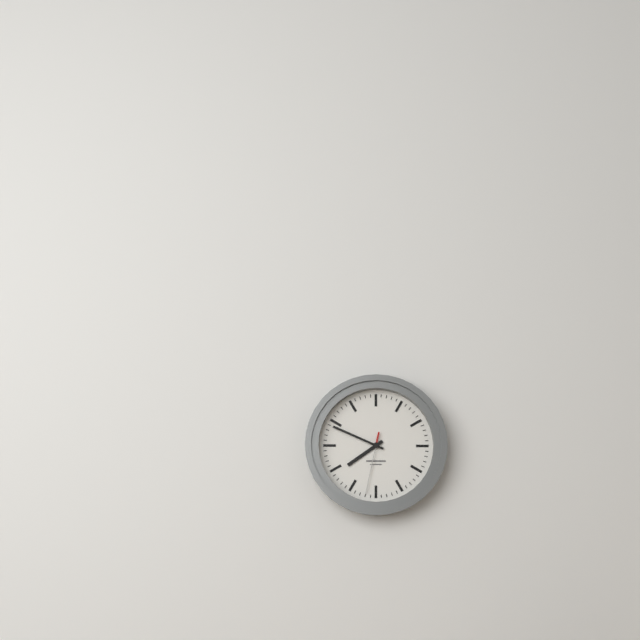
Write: 7h49m32s
